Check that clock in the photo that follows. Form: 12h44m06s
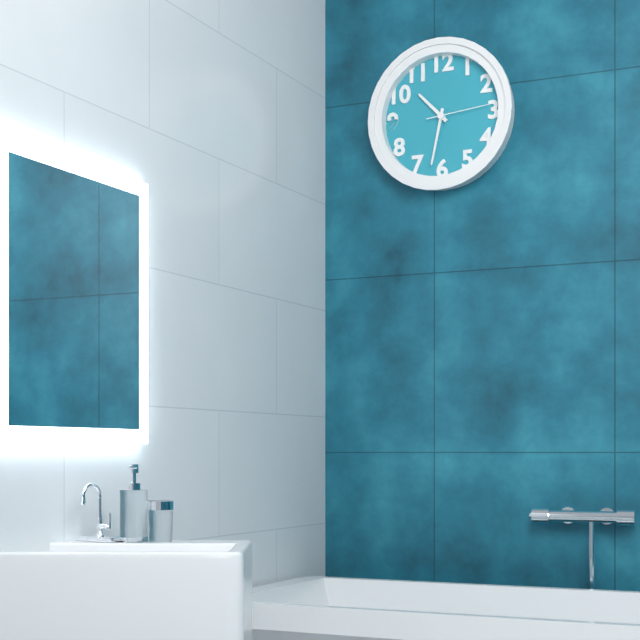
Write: 10h32m14s
